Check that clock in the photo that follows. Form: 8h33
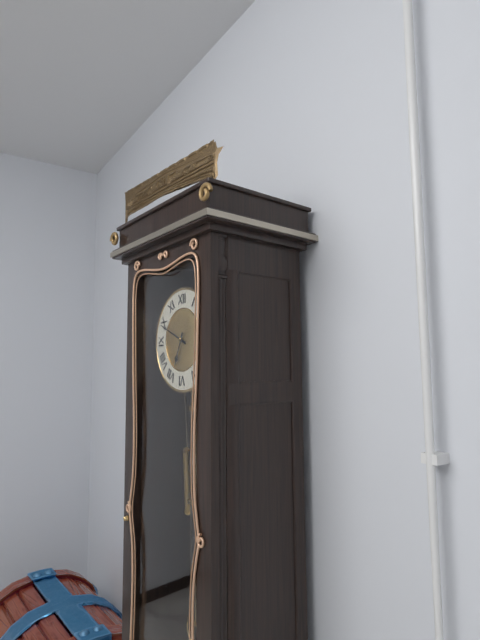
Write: 6h49
